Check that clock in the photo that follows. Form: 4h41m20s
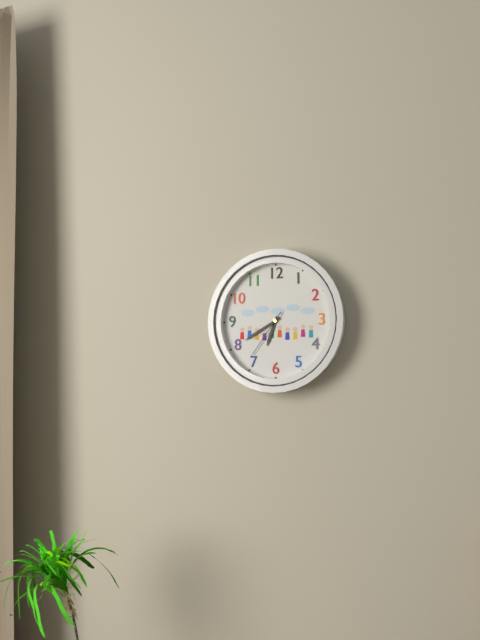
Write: 6h40m36s
